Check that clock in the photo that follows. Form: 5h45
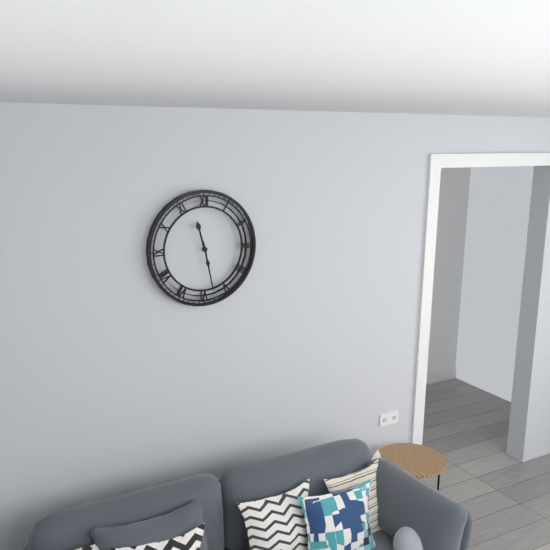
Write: 11h28
